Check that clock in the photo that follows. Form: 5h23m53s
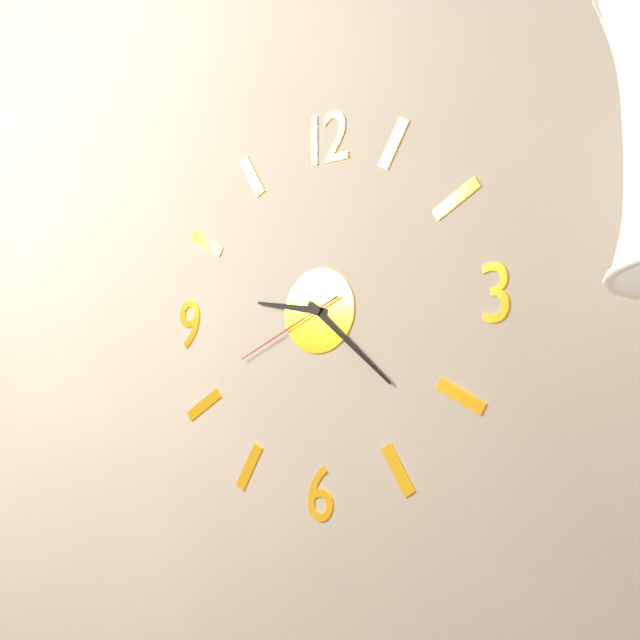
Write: 9h22m41s
